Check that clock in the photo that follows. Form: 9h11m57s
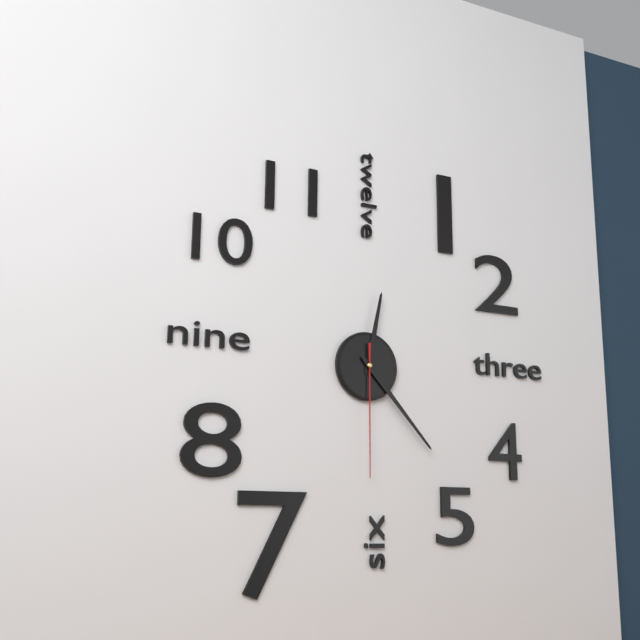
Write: 12h23m30s
